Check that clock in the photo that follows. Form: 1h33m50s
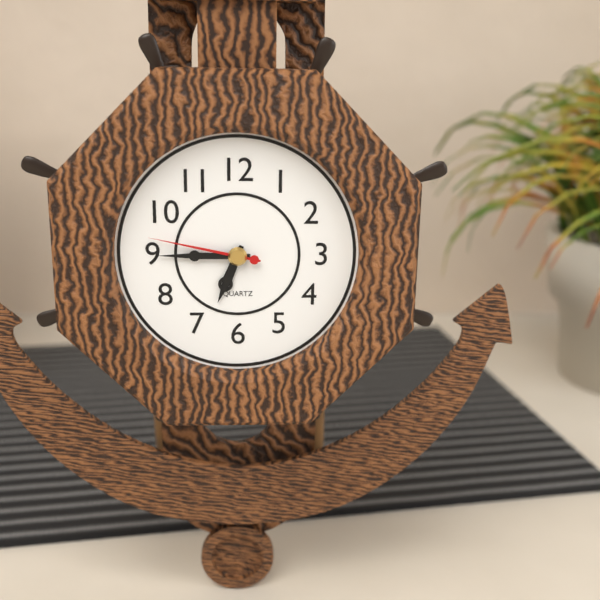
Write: 6h45m47s
